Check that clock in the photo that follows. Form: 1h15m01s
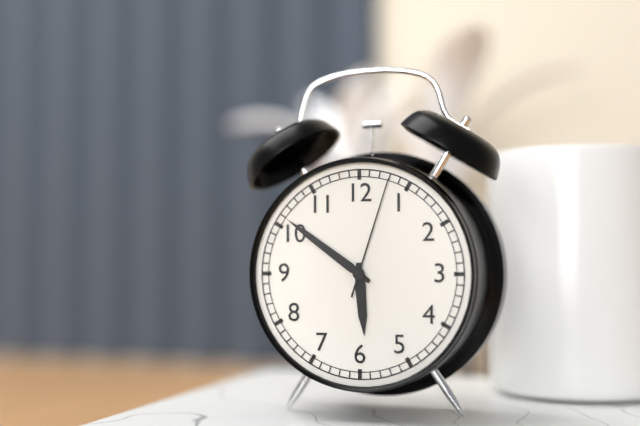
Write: 5h51m03s
